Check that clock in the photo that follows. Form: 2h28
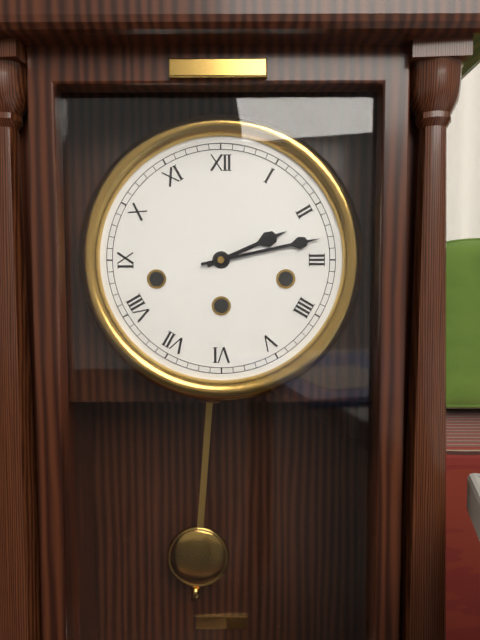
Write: 2h13
